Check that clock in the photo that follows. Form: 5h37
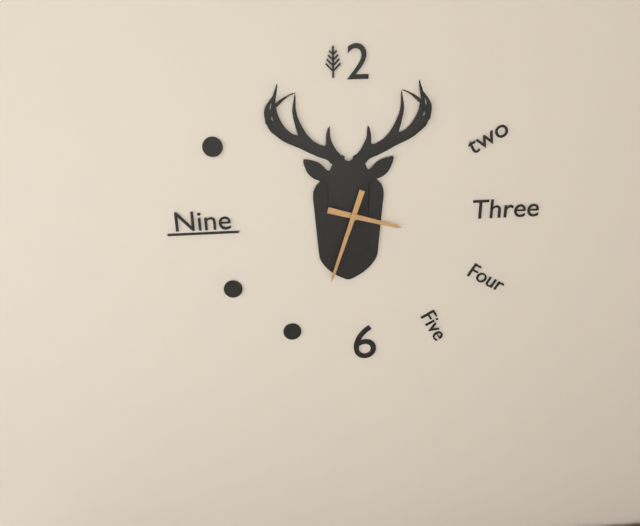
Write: 3h33
